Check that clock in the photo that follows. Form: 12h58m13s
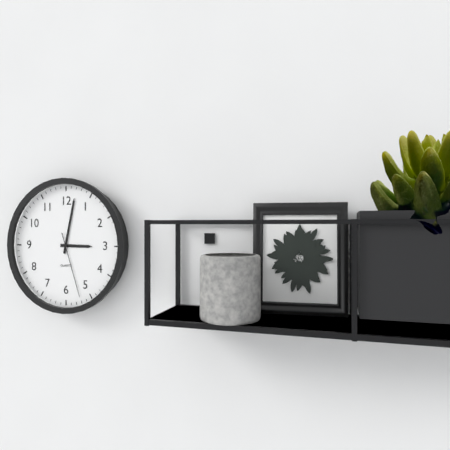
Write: 3h02m27s
